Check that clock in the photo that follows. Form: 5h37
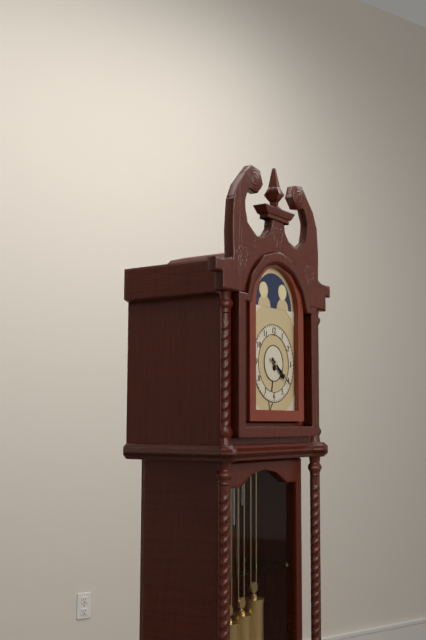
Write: 4h21
